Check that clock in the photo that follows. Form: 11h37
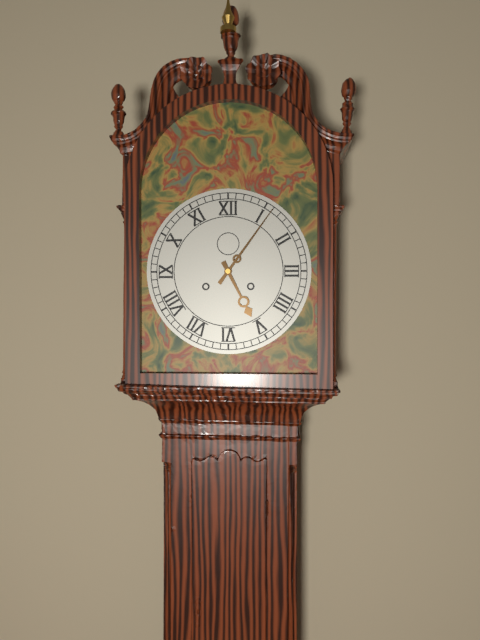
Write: 5h06
